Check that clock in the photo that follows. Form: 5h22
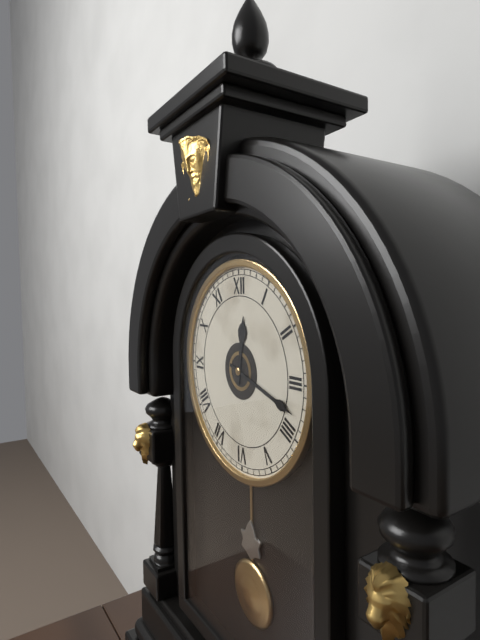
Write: 12h18
